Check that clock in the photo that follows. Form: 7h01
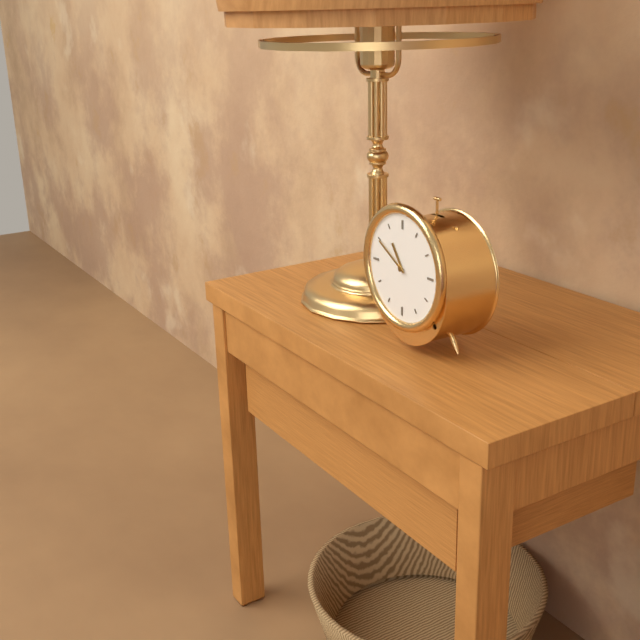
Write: 10h50
